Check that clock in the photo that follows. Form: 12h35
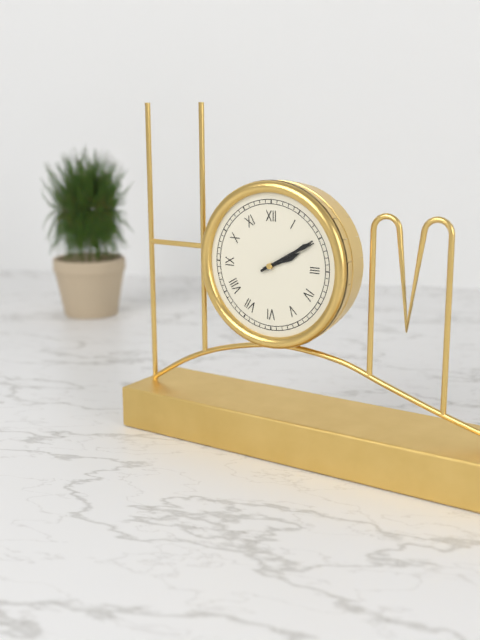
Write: 2h10
